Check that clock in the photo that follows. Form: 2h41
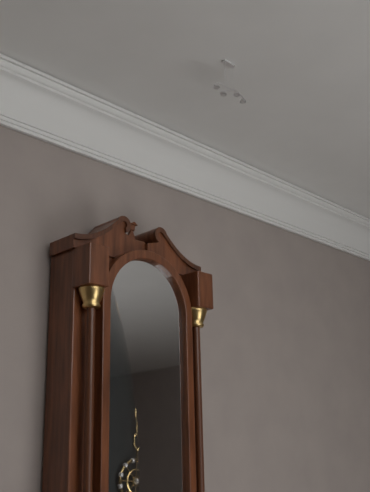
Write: 11h16
